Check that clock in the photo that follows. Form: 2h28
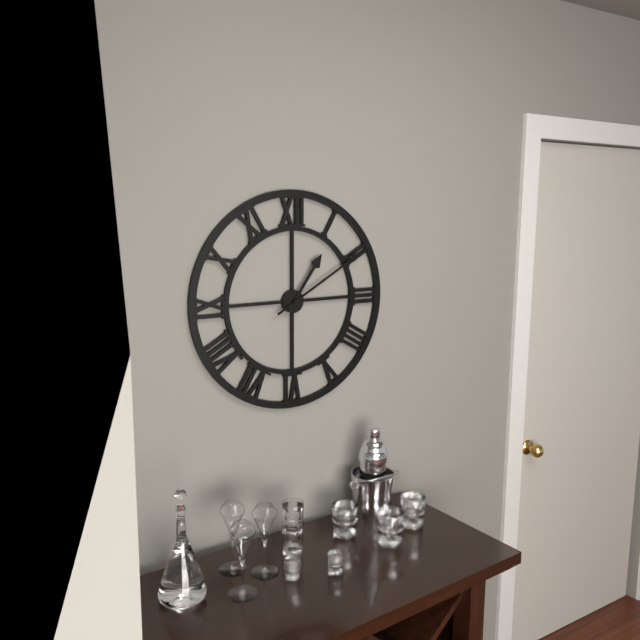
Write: 1h10
